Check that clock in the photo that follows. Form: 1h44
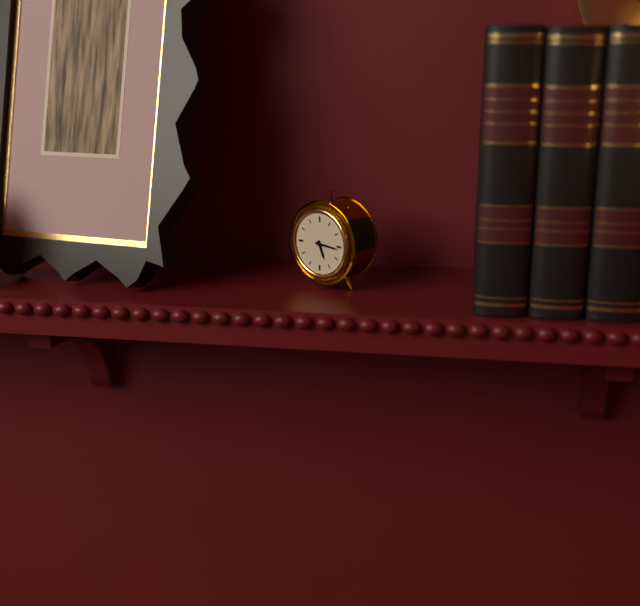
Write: 5h16
